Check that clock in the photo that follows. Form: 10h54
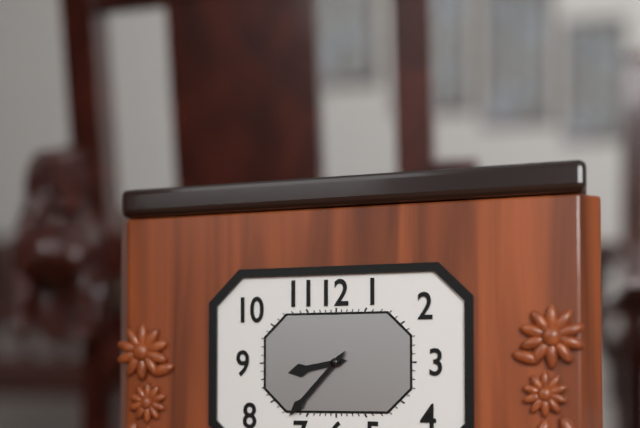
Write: 8h37
